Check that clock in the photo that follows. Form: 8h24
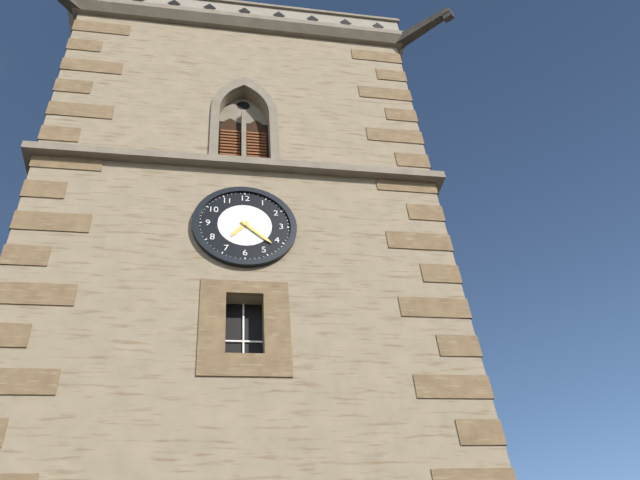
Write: 7h22
